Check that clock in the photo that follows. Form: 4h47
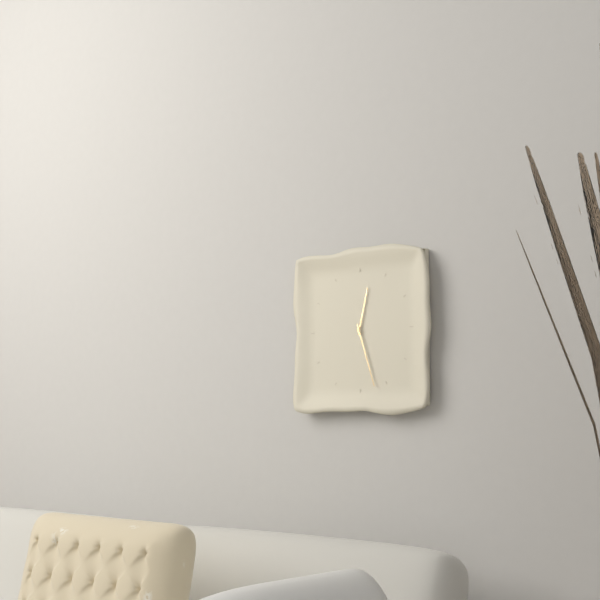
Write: 12h27
